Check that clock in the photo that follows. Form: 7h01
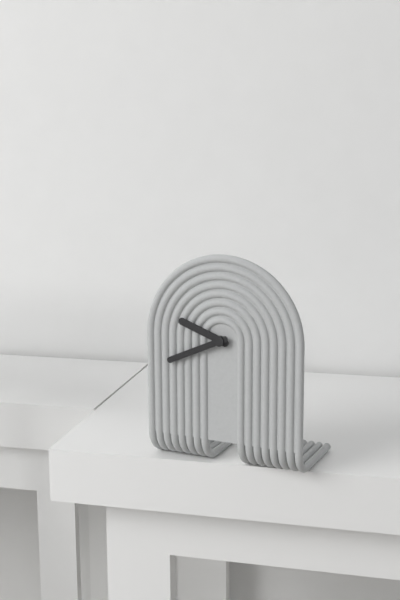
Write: 9h41
